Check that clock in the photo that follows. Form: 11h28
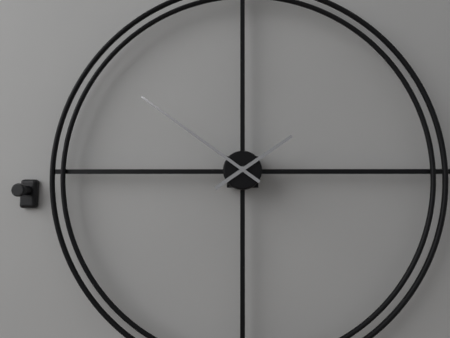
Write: 1h51
